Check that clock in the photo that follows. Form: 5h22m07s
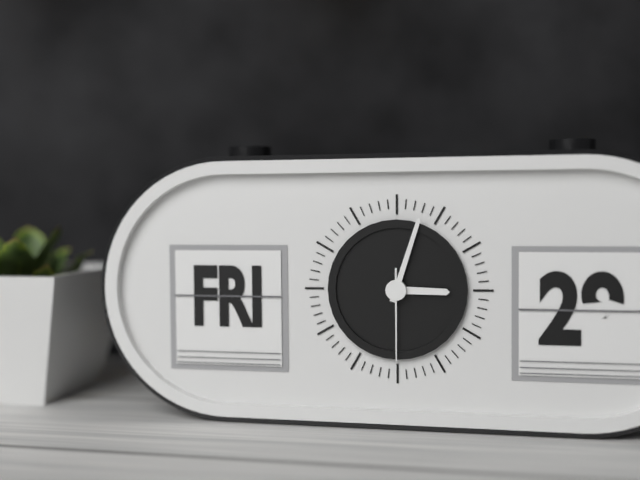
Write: 3h03m30s
